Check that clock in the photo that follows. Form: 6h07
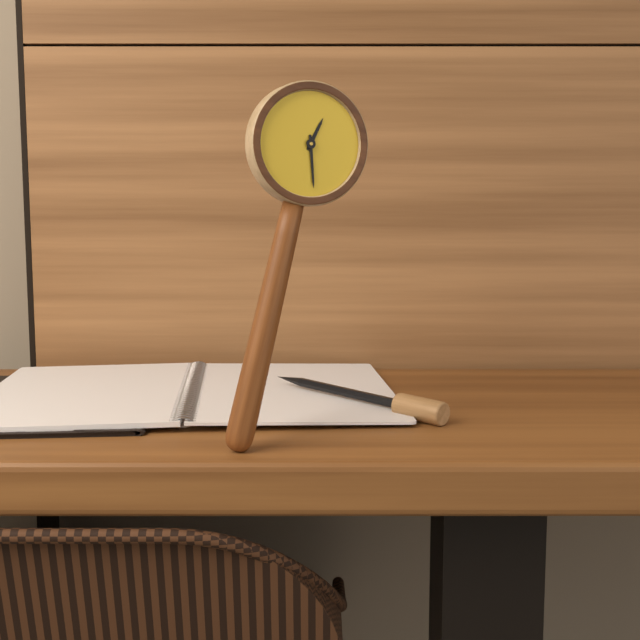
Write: 12h27
